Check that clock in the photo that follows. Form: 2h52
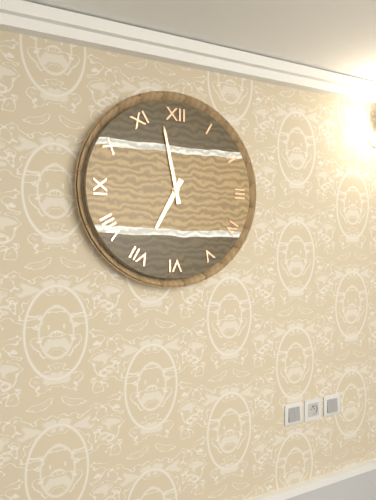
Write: 6h58
